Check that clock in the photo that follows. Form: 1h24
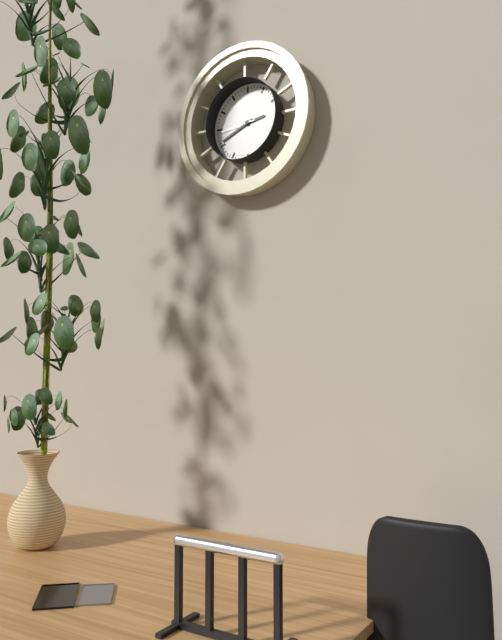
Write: 2h41
